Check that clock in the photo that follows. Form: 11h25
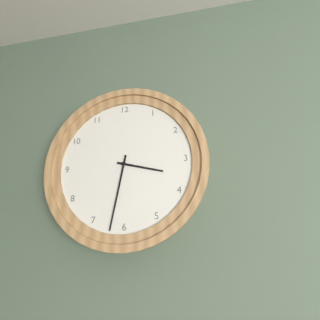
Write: 3h32
